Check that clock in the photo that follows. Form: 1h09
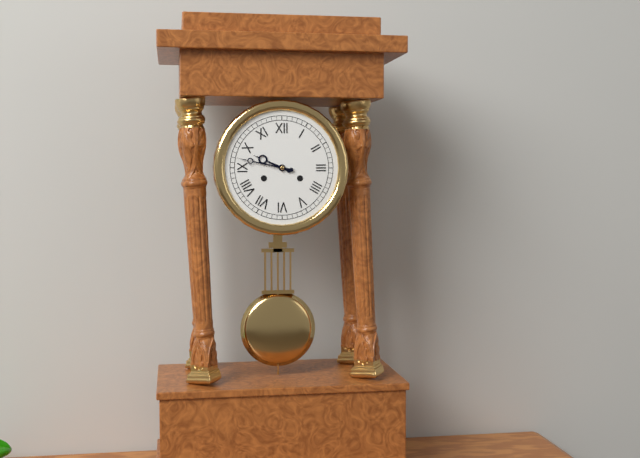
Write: 9h47
